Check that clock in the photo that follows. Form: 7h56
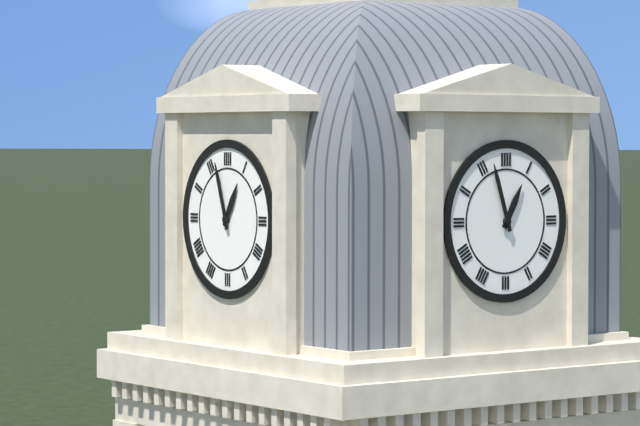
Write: 12h57
